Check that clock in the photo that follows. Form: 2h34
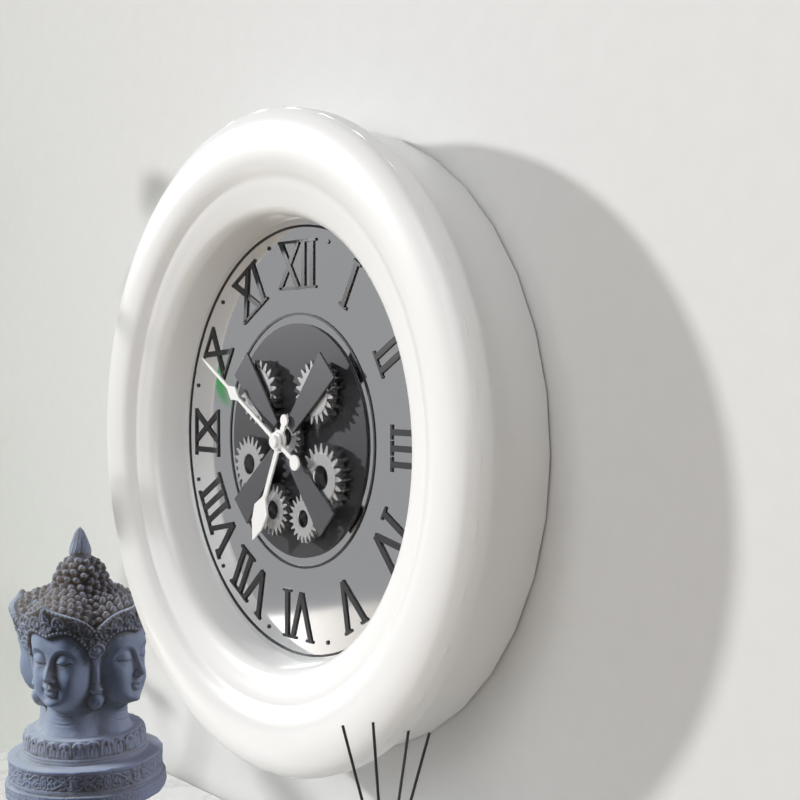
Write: 6h50
